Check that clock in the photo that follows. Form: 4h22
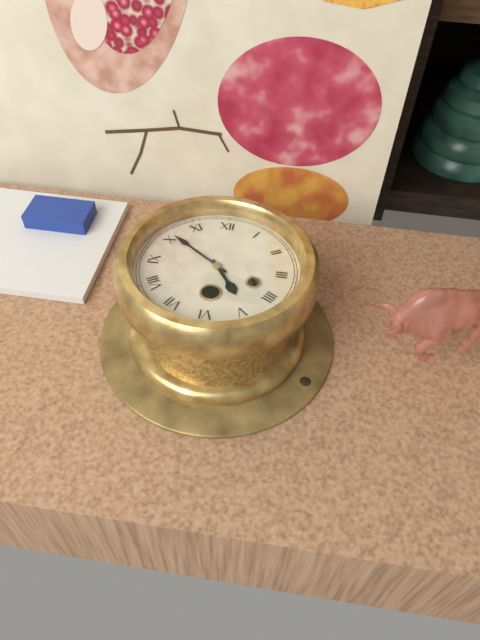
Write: 4h51
